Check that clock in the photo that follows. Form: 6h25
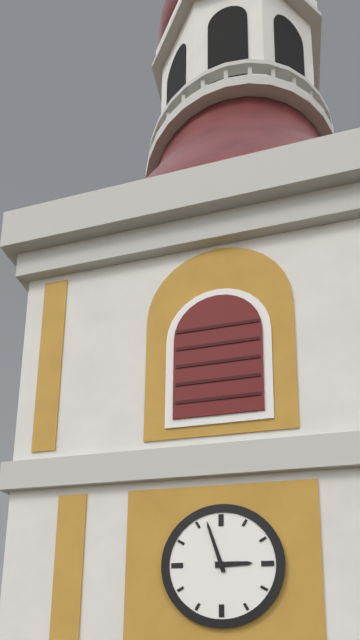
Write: 2h57
